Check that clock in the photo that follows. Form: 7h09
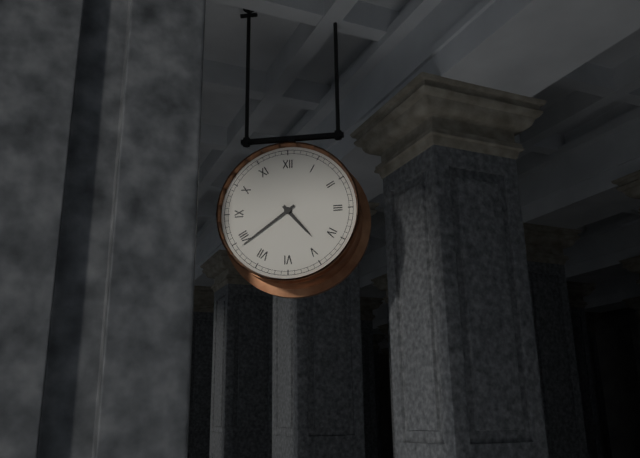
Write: 4h39
